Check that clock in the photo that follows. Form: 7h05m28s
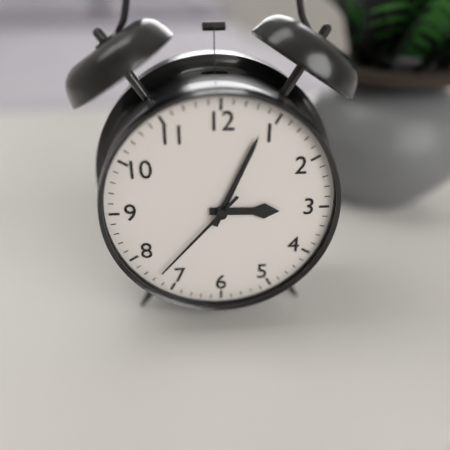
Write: 3h04m37s
